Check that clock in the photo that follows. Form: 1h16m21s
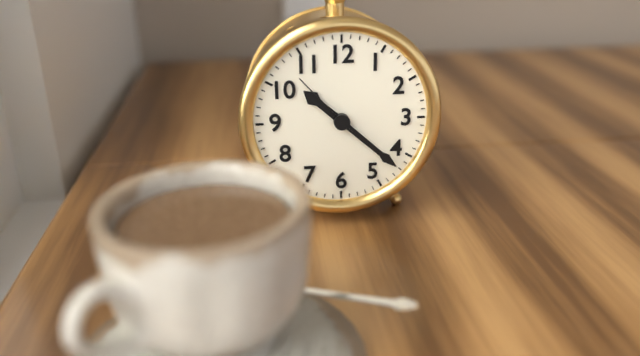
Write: 10h22m53s
